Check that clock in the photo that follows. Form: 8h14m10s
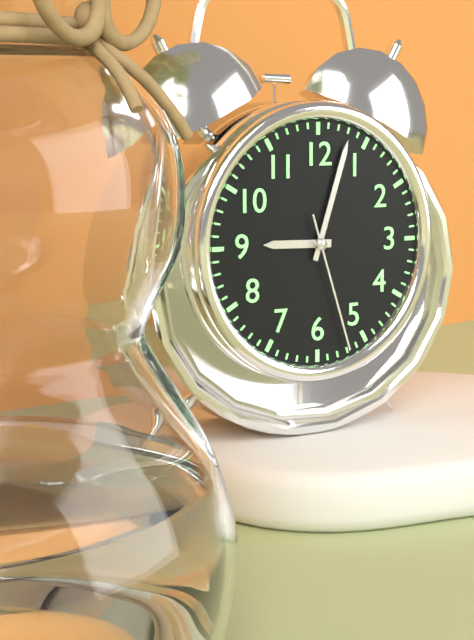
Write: 9h03m27s
